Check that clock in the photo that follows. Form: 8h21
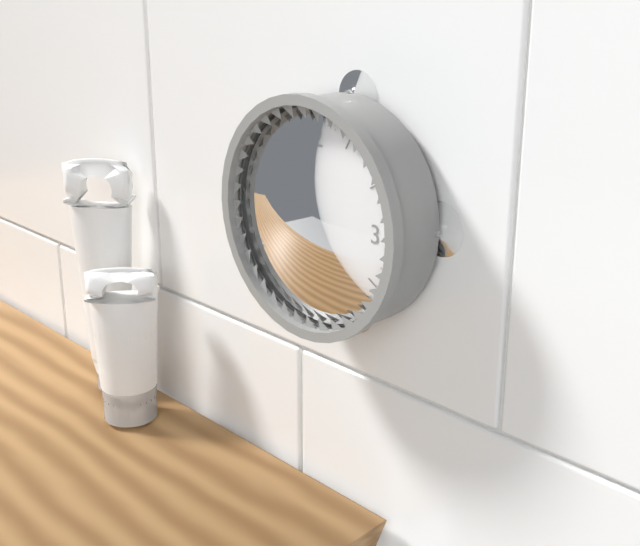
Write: 9h50
